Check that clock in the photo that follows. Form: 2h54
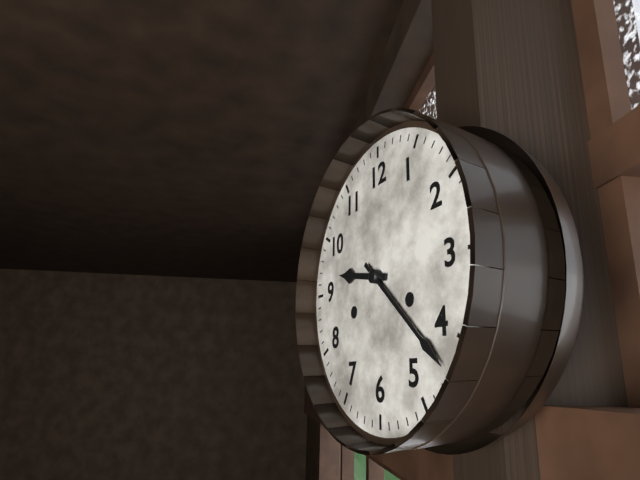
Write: 9h22
